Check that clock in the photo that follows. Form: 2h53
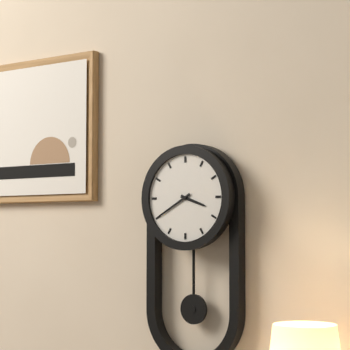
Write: 3h40
